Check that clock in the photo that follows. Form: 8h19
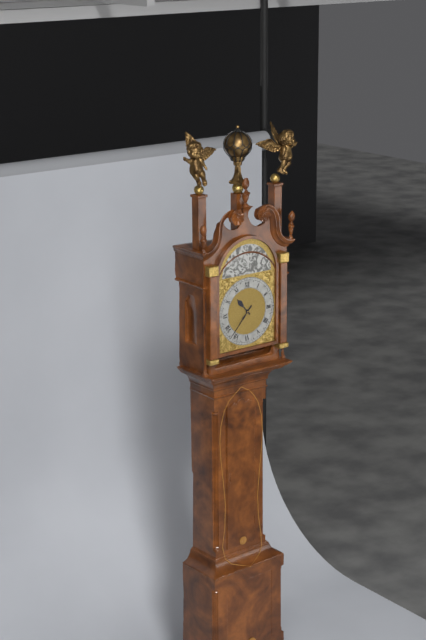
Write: 10h37
